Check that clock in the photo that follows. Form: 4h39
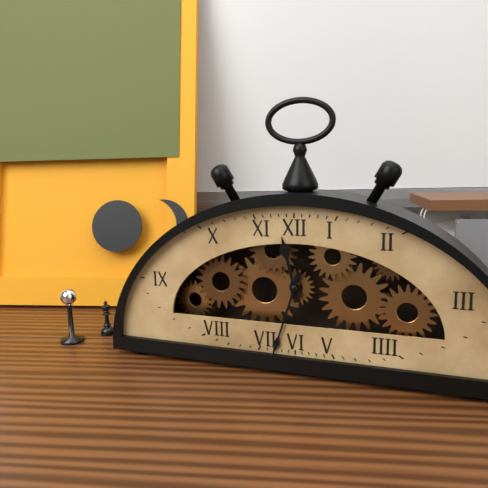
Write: 11h33
